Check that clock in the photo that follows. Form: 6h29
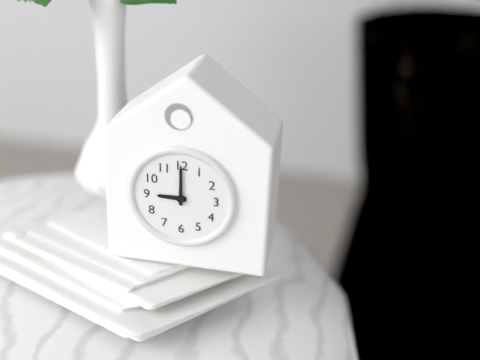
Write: 9h00
